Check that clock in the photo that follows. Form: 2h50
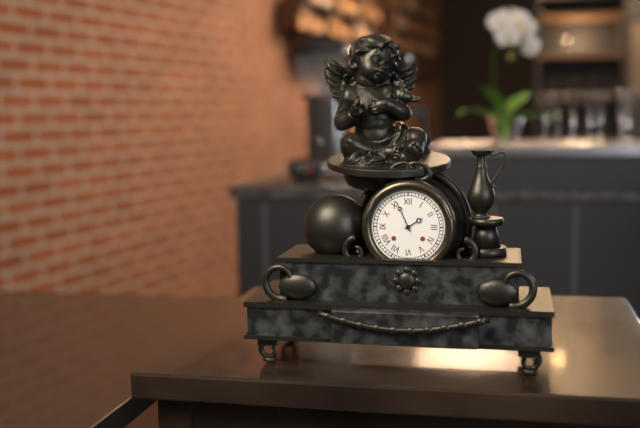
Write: 1h56
